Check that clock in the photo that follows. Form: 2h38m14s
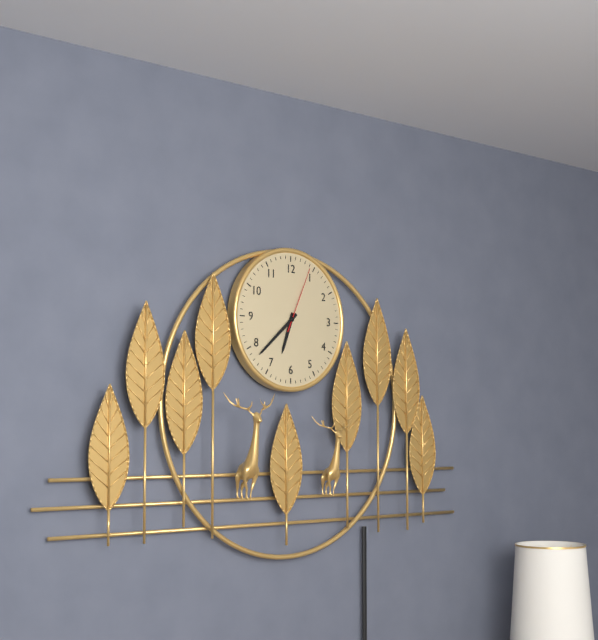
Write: 6h38m04s
